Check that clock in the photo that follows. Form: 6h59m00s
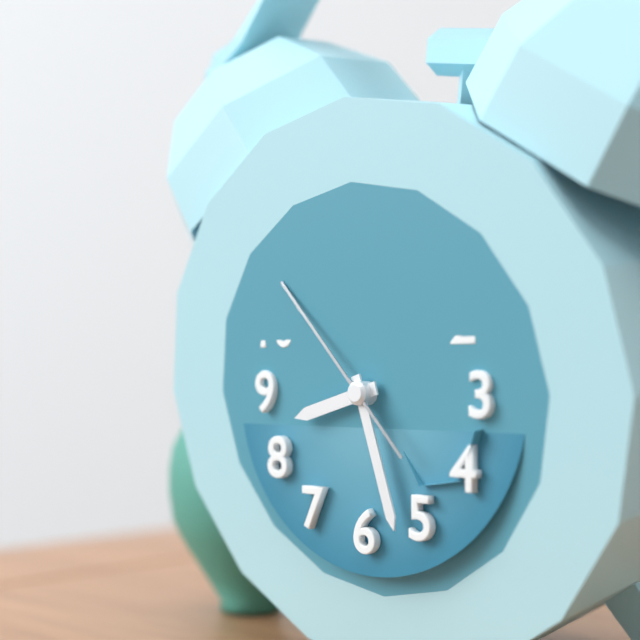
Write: 8h27m53s
